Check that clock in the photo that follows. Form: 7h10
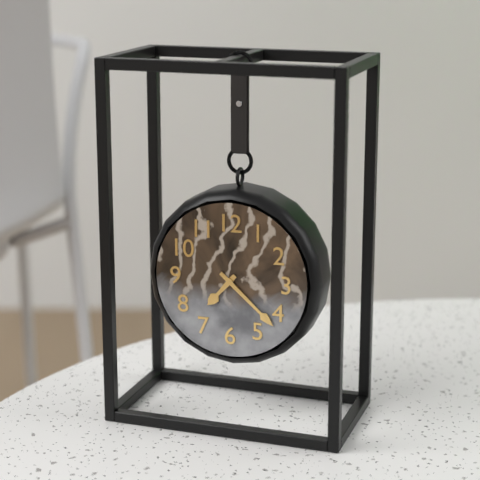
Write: 7h22
